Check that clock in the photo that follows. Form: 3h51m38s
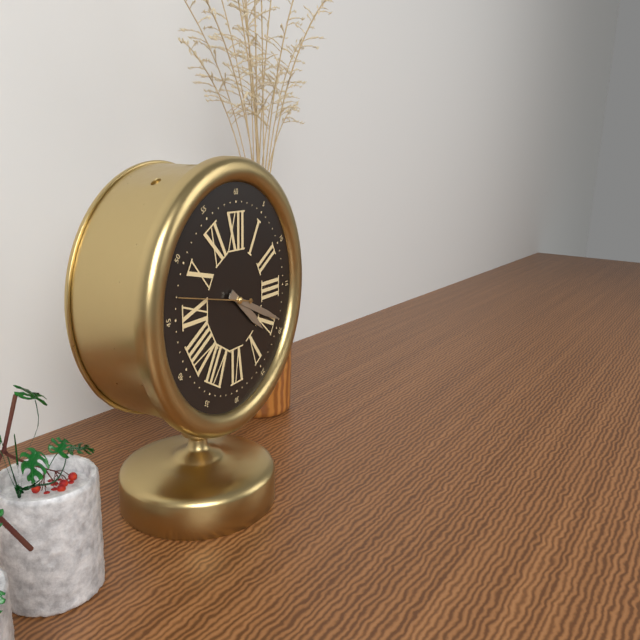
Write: 4h19m47s
